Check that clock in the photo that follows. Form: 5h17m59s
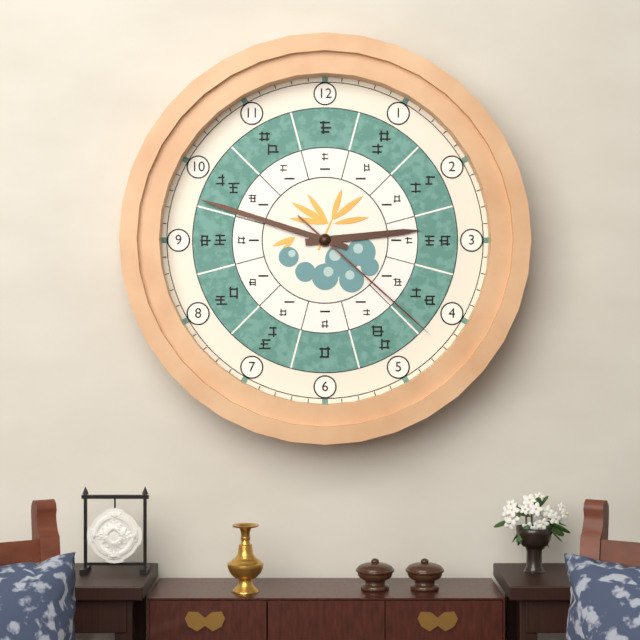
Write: 2h48m22s
